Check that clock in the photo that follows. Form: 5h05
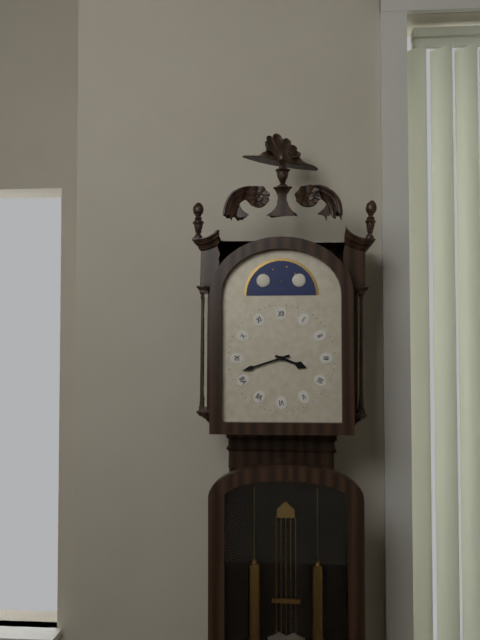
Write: 3h42
